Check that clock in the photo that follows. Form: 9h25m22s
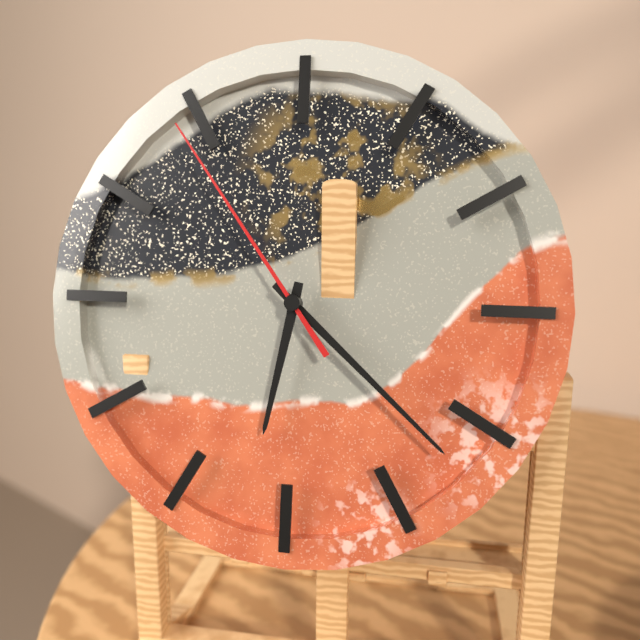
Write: 6h22m54s
